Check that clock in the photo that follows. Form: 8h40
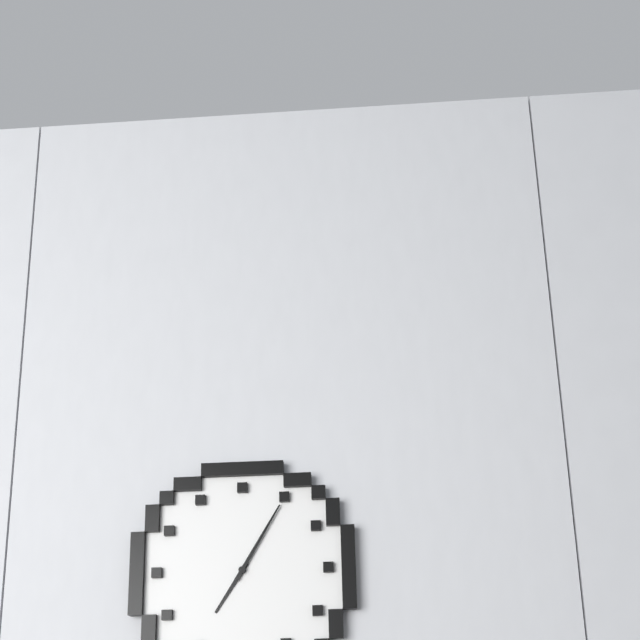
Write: 7h05
